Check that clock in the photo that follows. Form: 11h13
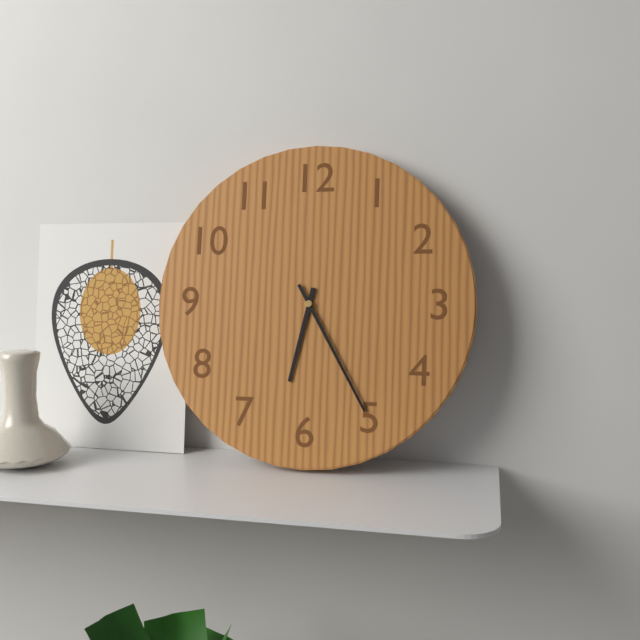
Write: 6h25
